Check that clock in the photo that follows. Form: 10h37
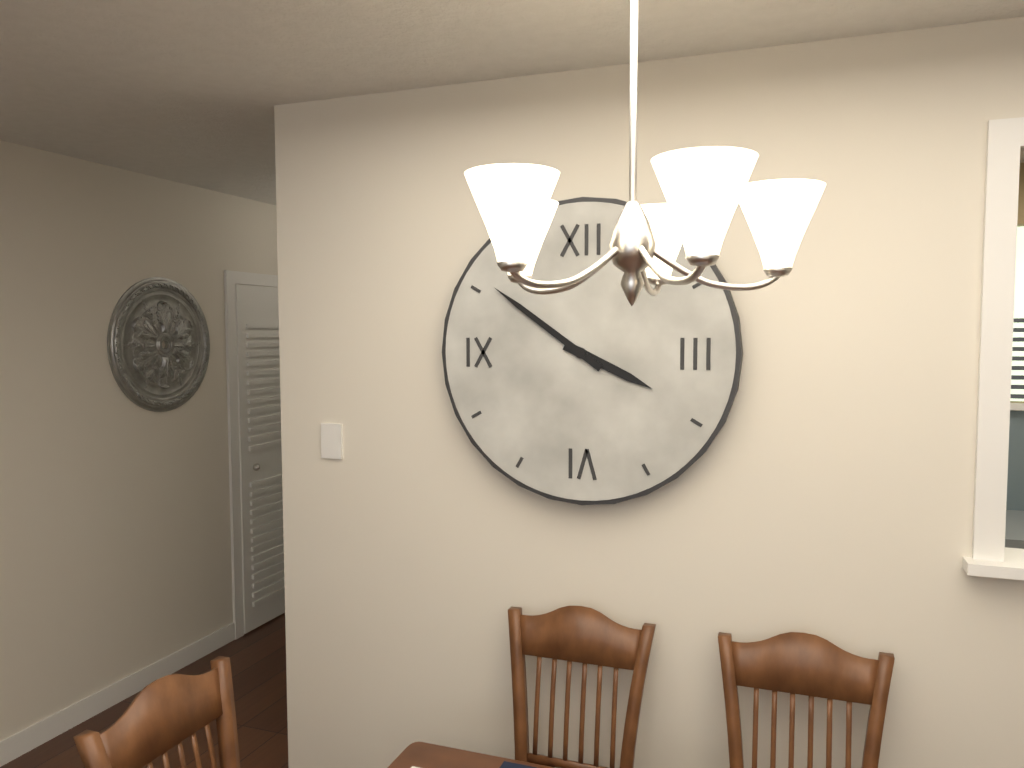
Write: 3h51
